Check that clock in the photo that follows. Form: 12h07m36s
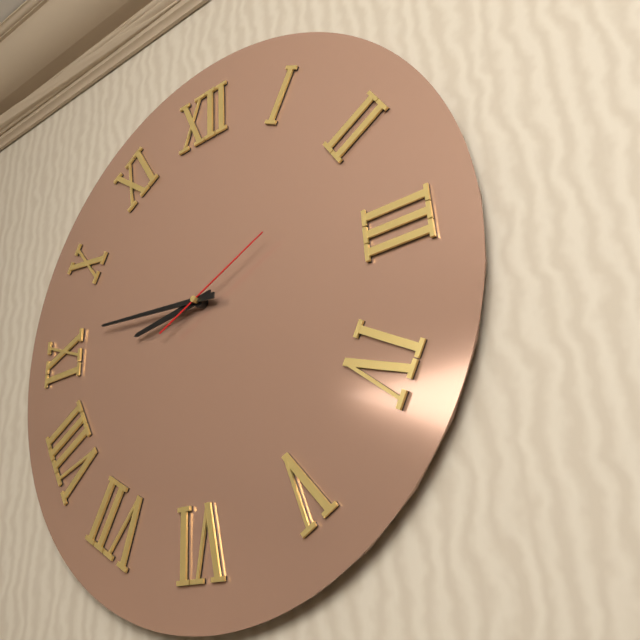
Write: 8h46m11s
